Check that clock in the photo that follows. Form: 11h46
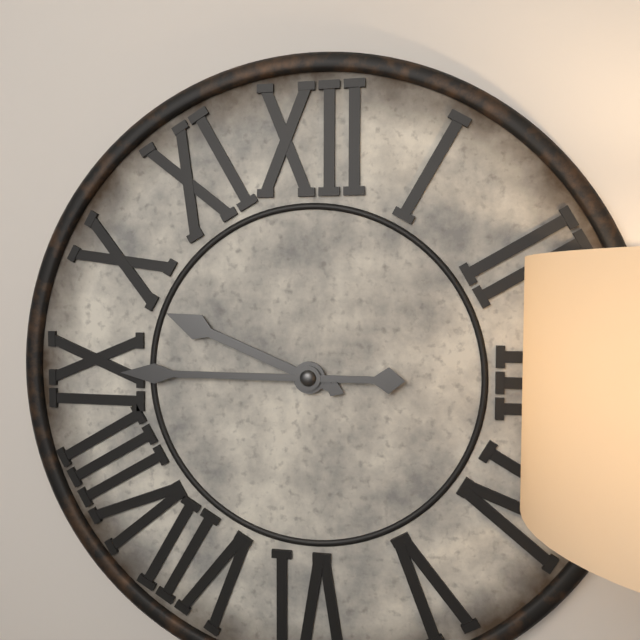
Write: 9h45
